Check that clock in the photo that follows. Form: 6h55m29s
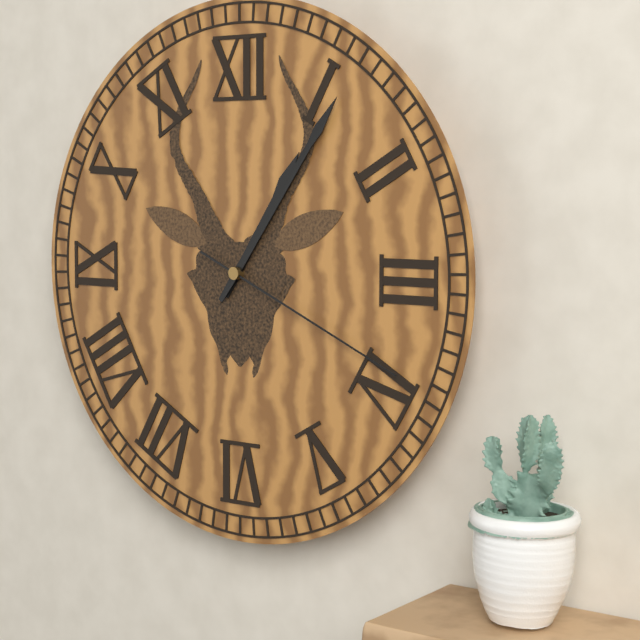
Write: 1h06m19s
